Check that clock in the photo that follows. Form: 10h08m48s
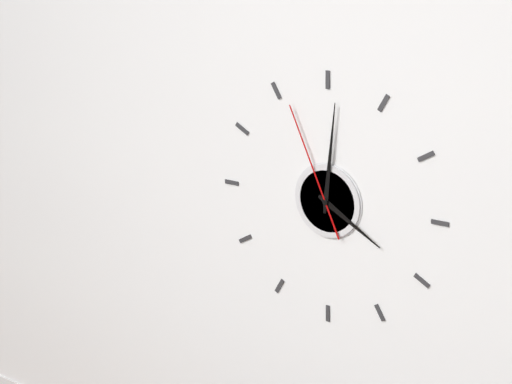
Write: 4h01m56s
